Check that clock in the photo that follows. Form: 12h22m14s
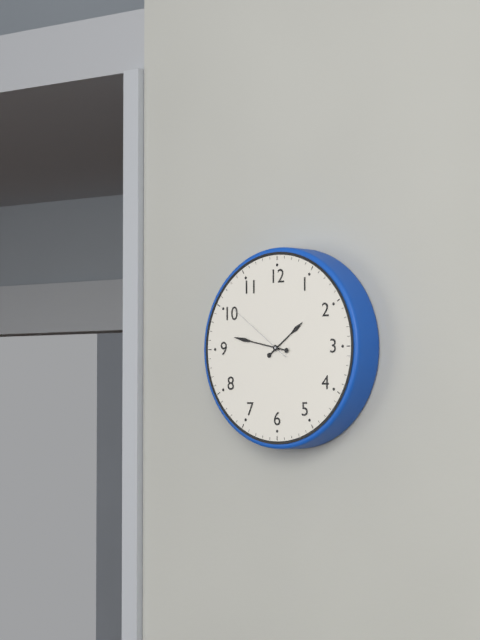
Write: 1h47m51s
